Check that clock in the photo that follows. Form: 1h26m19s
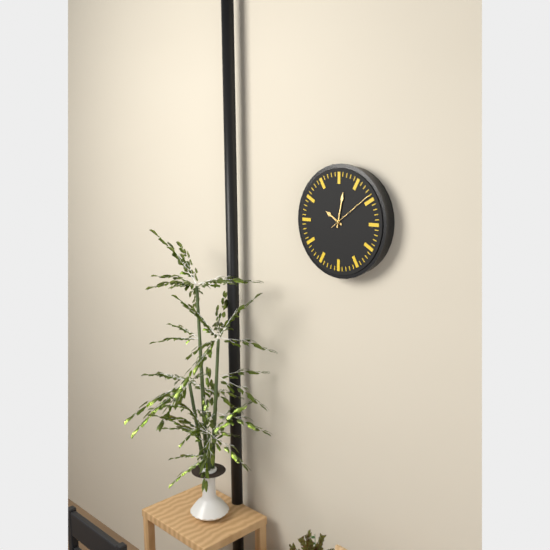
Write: 10h02m09s
